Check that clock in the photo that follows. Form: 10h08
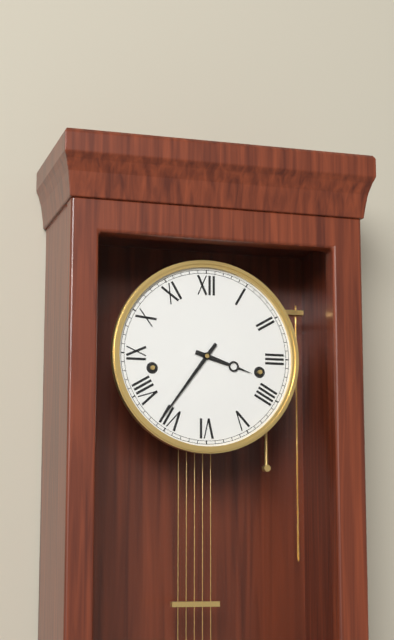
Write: 3h36
